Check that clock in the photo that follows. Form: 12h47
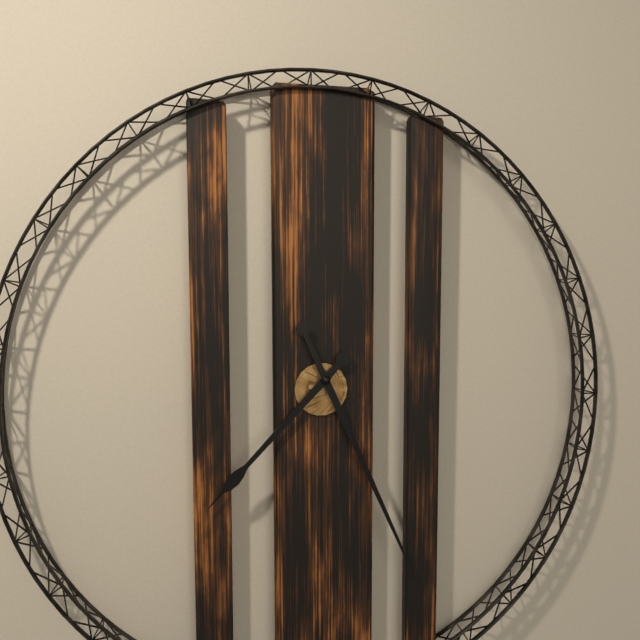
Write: 7h26
